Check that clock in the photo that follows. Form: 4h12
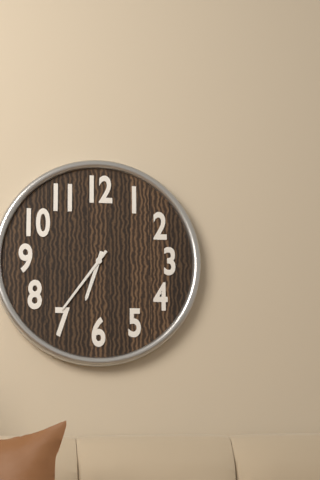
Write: 6h36
